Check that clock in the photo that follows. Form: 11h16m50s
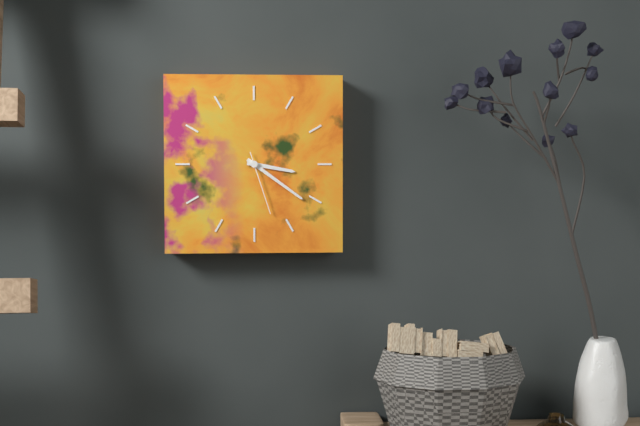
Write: 3h21m27s
